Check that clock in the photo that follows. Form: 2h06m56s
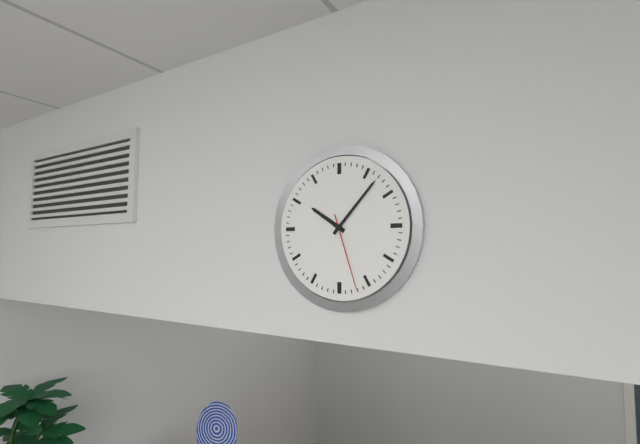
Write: 10h07m27s
